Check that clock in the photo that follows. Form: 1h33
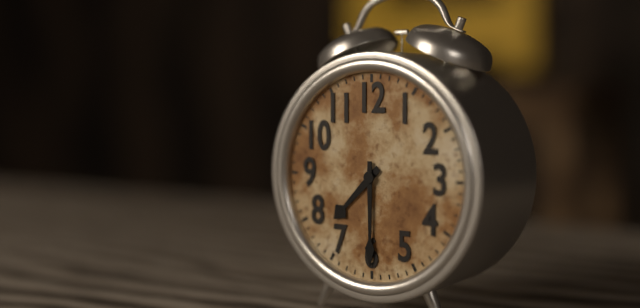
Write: 7h30
